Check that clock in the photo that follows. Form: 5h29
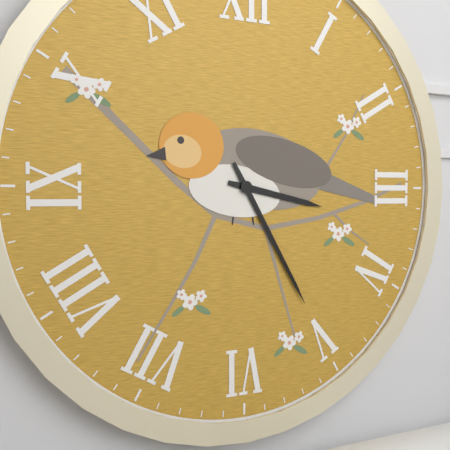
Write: 3h25
